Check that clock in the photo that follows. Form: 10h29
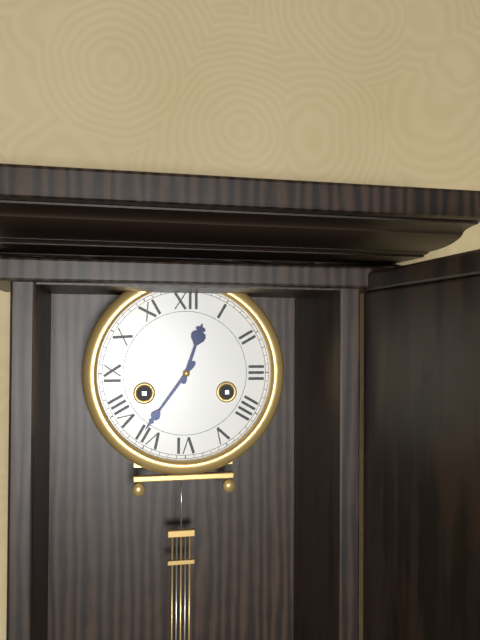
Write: 12h36
